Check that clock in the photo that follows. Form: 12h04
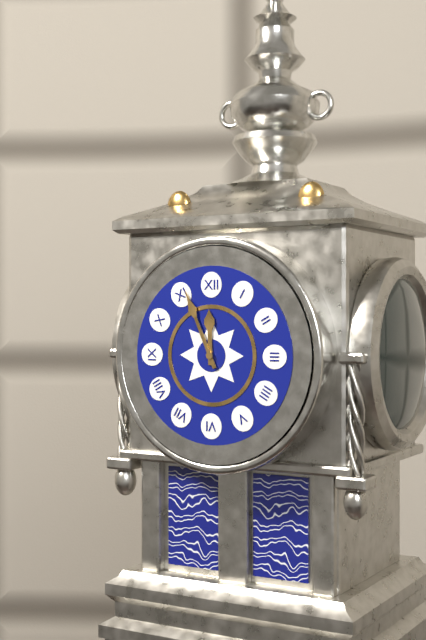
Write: 11h56
